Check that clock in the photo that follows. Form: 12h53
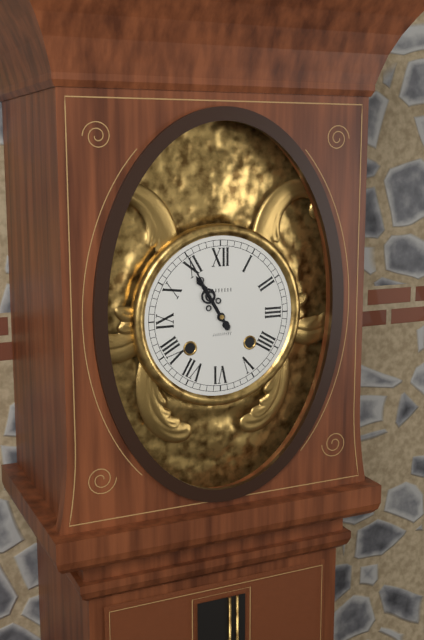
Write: 10h55
